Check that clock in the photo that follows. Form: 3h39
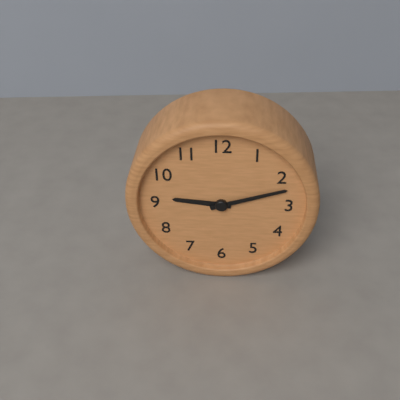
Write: 9h12
